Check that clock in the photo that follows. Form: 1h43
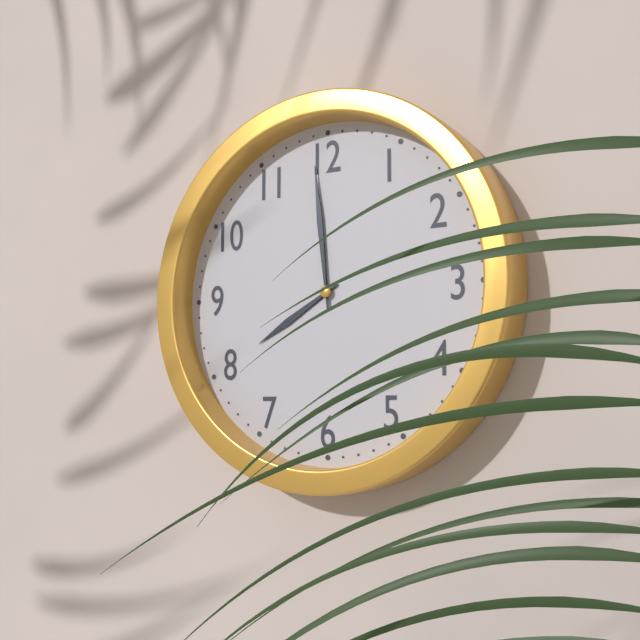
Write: 7h59
